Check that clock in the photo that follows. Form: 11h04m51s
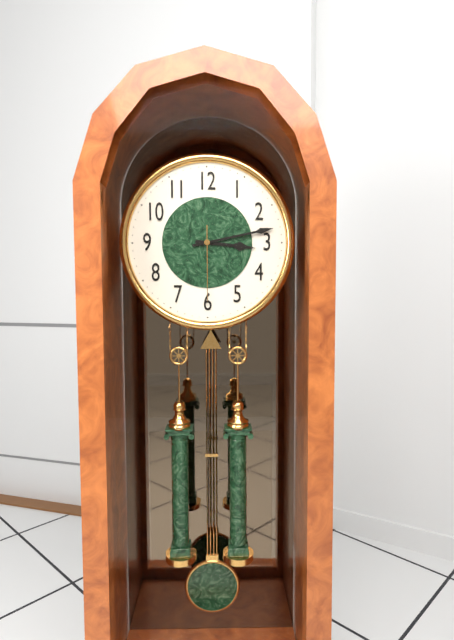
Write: 3h13m30s
